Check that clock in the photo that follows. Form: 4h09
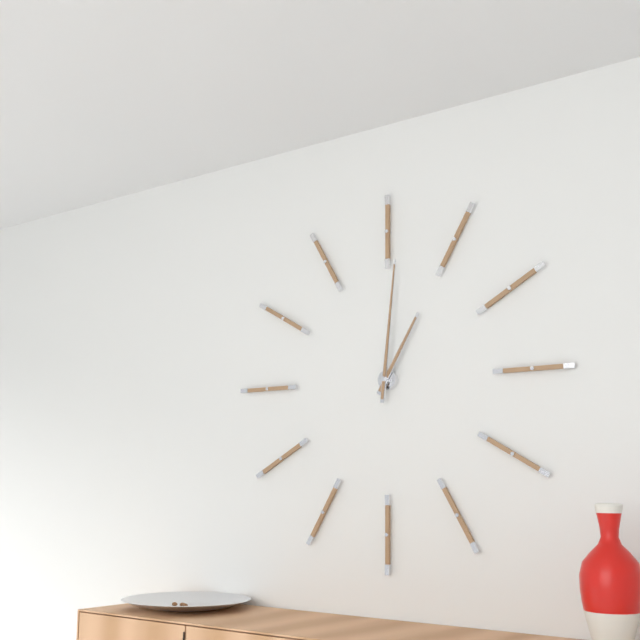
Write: 1h01
